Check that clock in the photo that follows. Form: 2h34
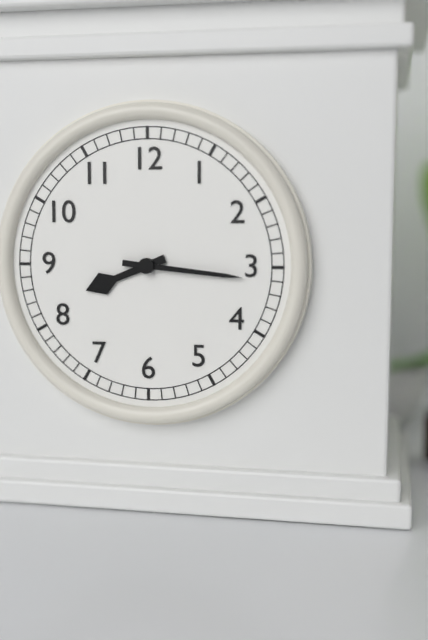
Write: 8h16
